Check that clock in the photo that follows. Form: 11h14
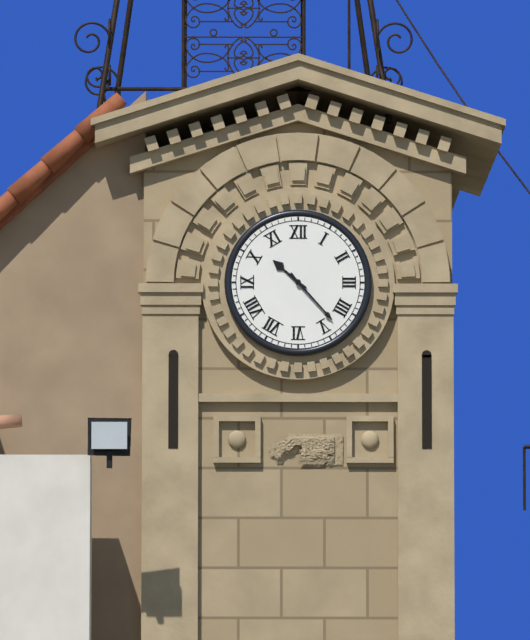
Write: 10h23
